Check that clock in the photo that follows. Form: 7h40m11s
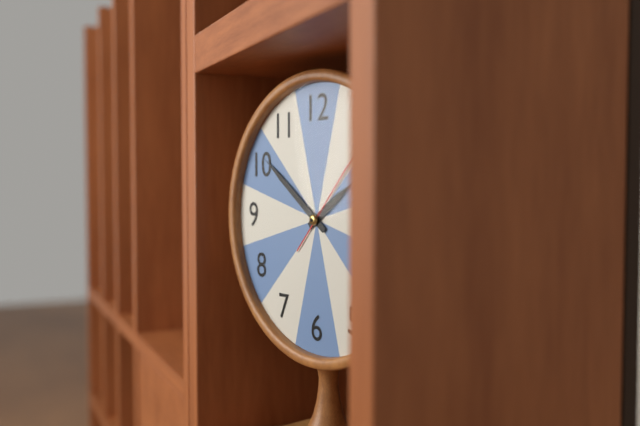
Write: 1h51m07s
